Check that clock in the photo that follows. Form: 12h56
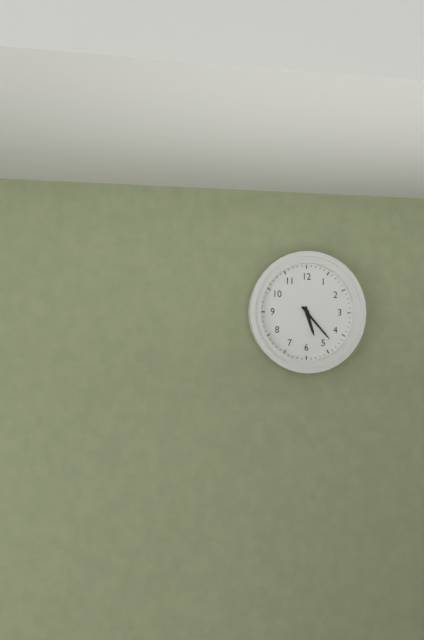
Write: 5h23
